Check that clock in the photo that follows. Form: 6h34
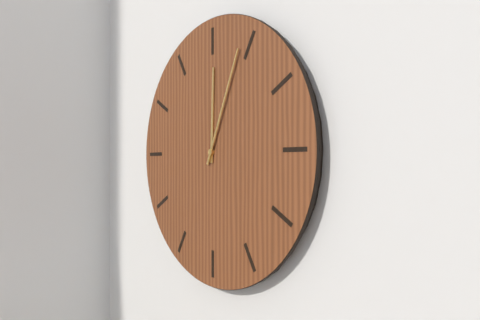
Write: 12h04
